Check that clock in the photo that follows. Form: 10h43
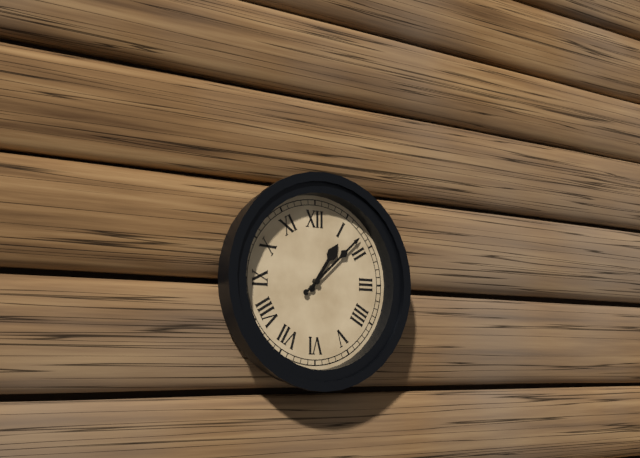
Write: 1h08
